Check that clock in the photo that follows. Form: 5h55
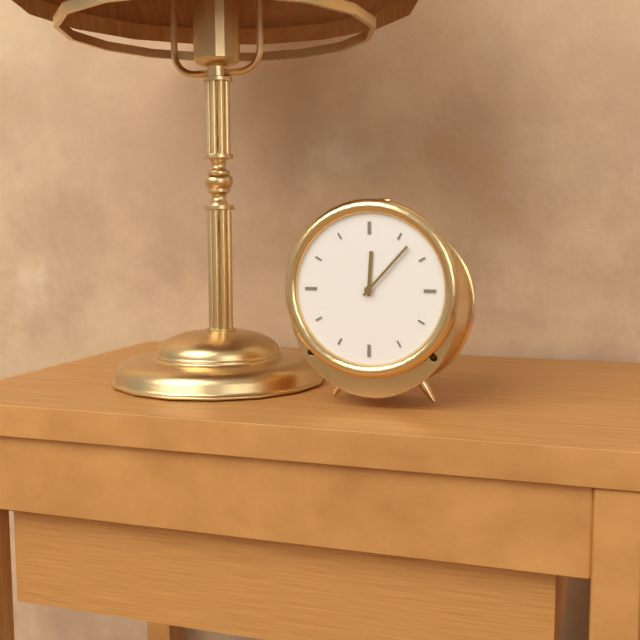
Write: 12h07
